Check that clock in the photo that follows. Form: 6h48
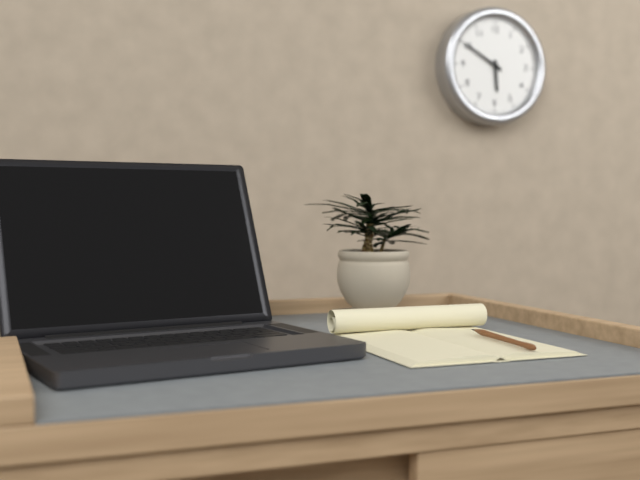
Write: 5h50
